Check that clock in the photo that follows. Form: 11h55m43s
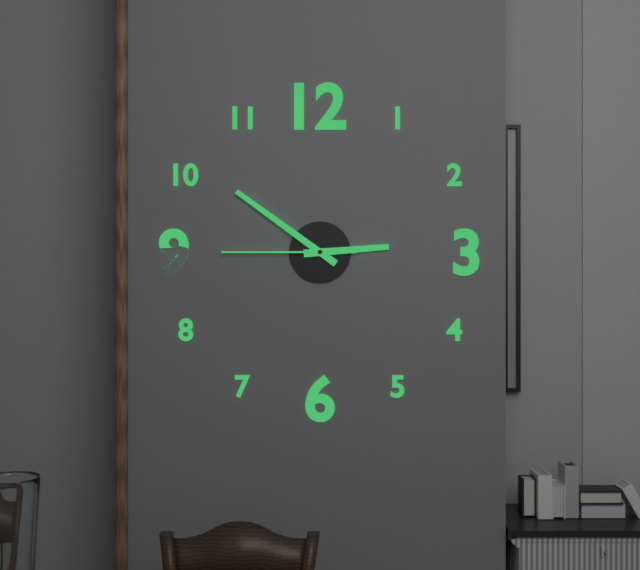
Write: 2h51m45s
